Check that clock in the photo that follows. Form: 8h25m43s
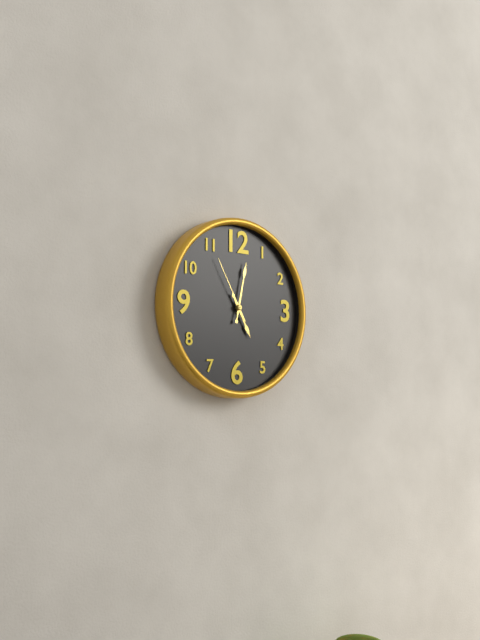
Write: 5h02m55s
